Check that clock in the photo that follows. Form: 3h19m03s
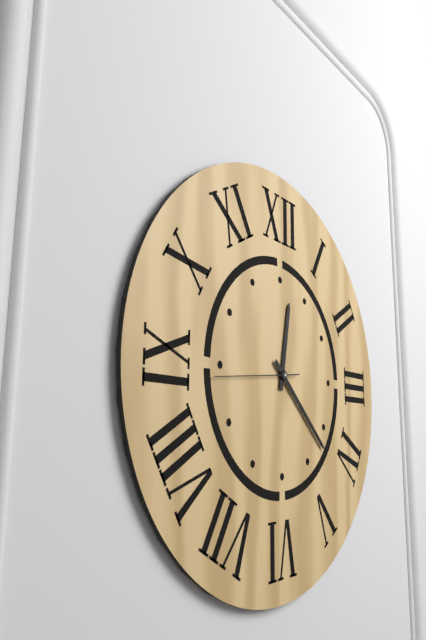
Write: 12h22m44s
